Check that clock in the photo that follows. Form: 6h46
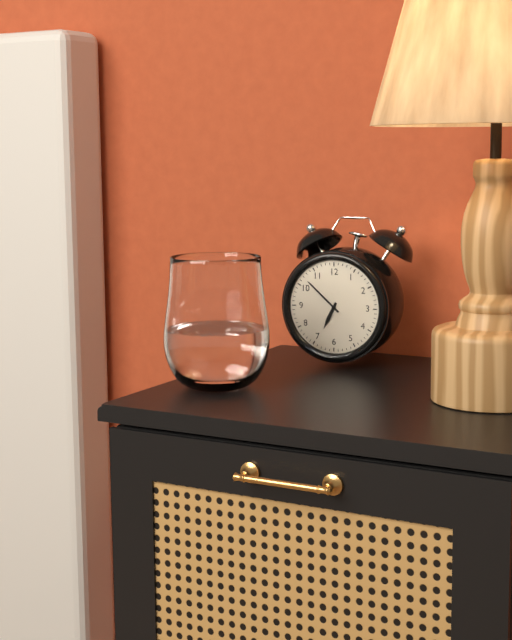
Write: 6h52
